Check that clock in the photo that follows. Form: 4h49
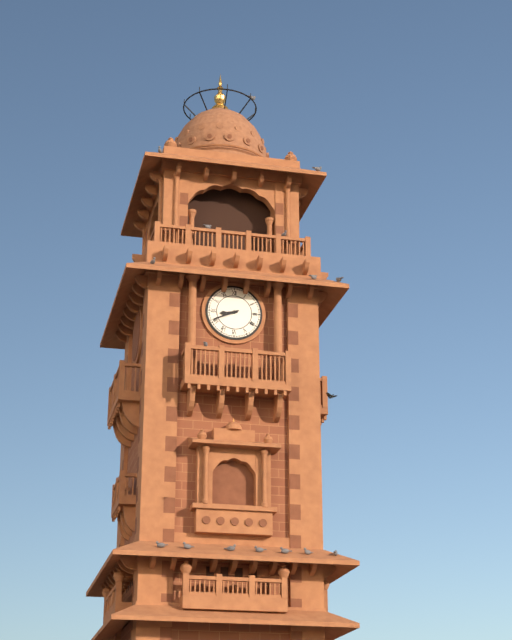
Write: 8h41
